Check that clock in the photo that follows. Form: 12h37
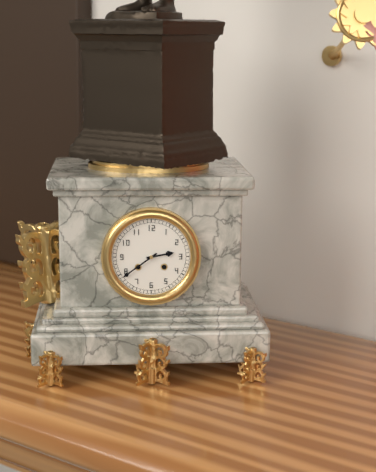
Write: 2h39
